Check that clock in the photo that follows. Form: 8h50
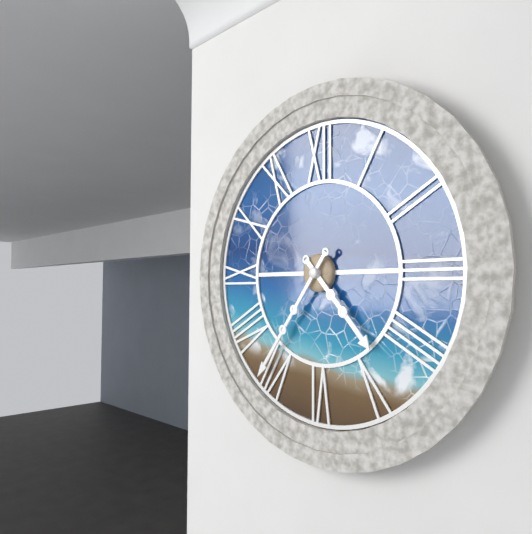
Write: 4h36
